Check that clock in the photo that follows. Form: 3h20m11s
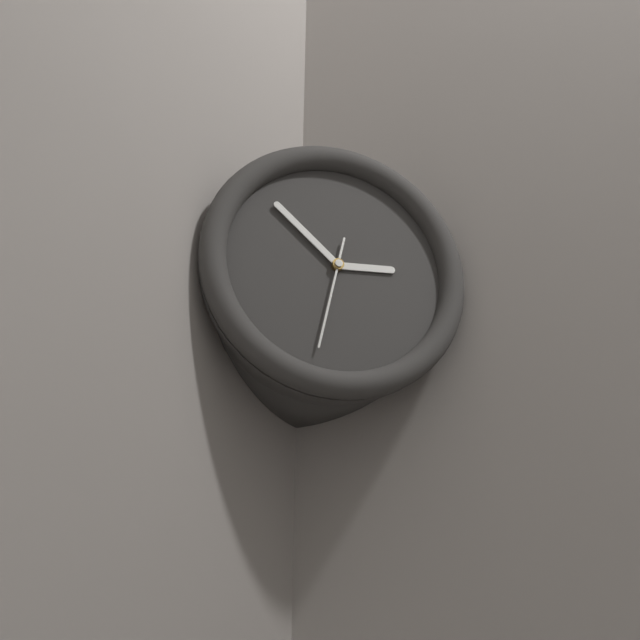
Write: 2h52m32s
